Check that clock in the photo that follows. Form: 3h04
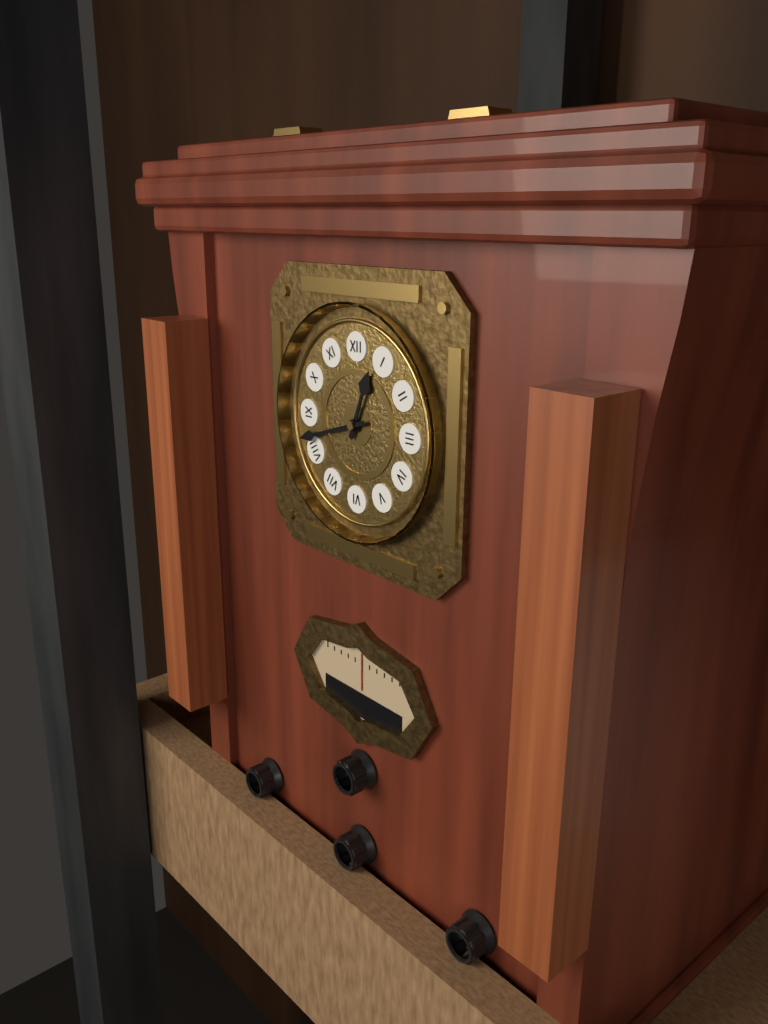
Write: 12h42
